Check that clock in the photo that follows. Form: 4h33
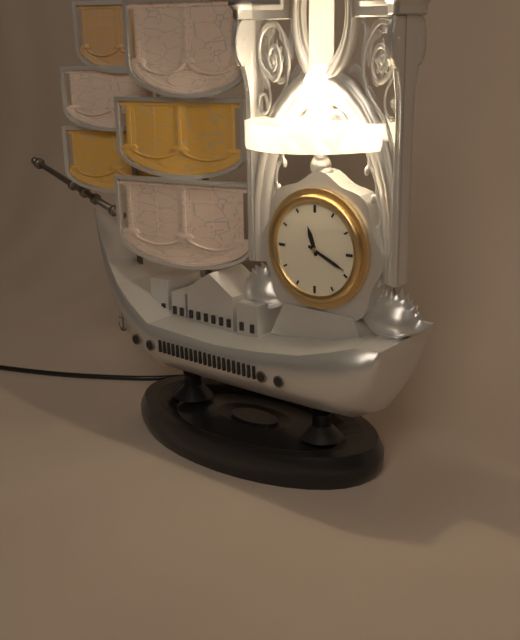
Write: 11h19
